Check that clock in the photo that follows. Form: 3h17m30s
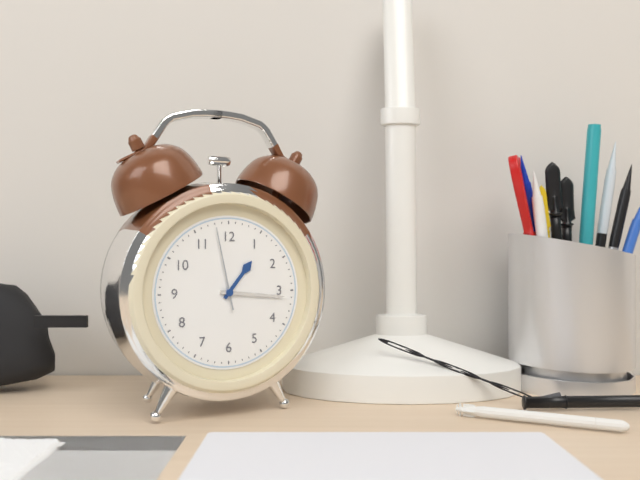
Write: 1h16m58s
